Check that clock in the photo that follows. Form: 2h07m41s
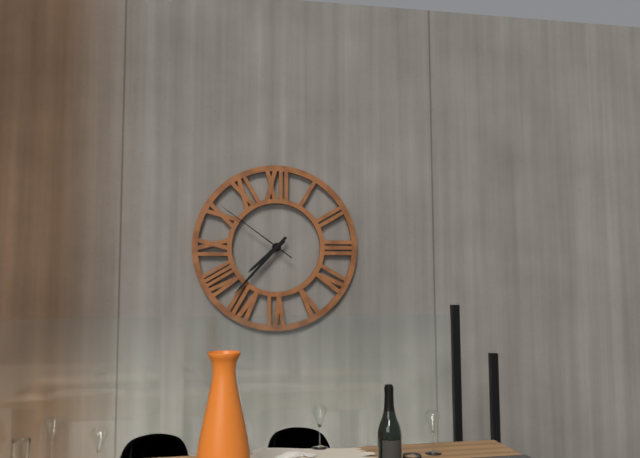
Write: 7h37m51s
